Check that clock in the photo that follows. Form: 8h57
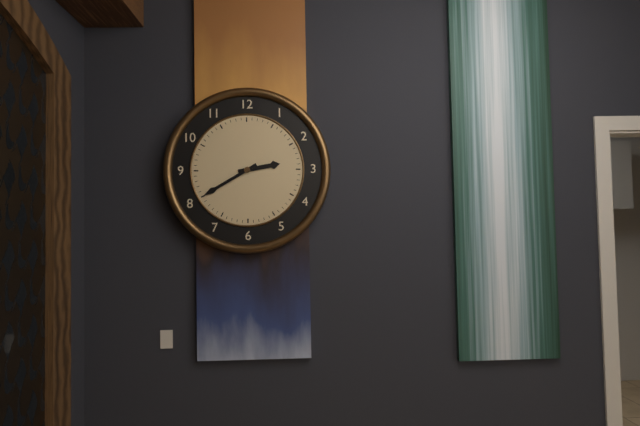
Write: 2h40
